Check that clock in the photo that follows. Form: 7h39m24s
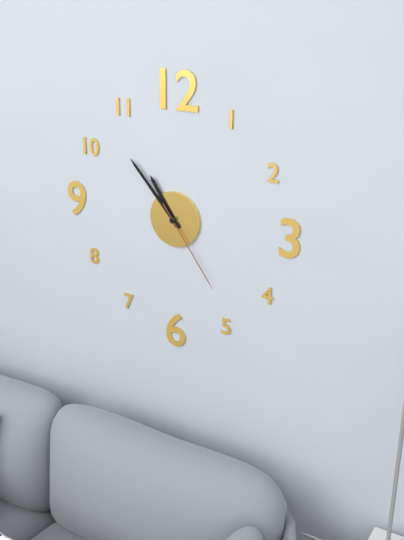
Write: 10h53m24s
